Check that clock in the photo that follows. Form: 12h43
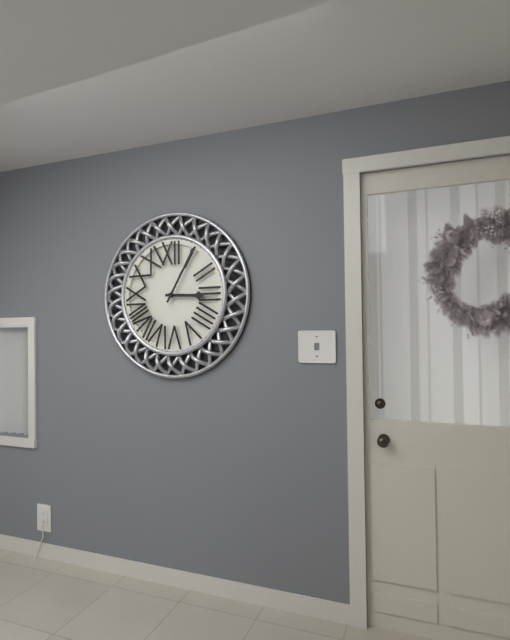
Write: 3h05
